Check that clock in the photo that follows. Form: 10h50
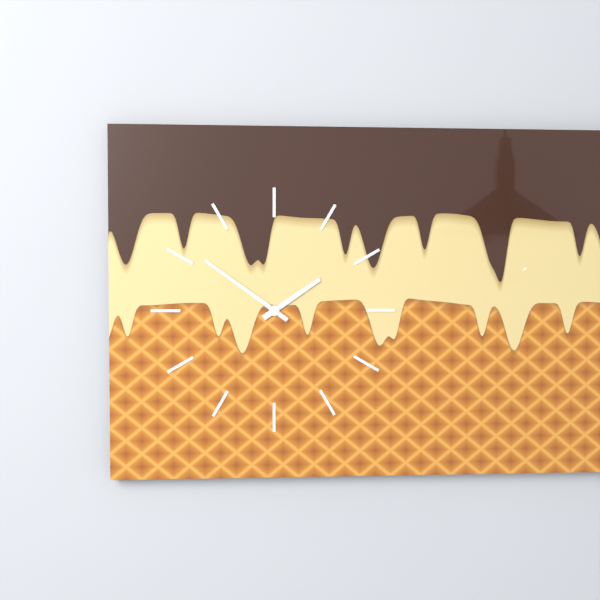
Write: 1h51
